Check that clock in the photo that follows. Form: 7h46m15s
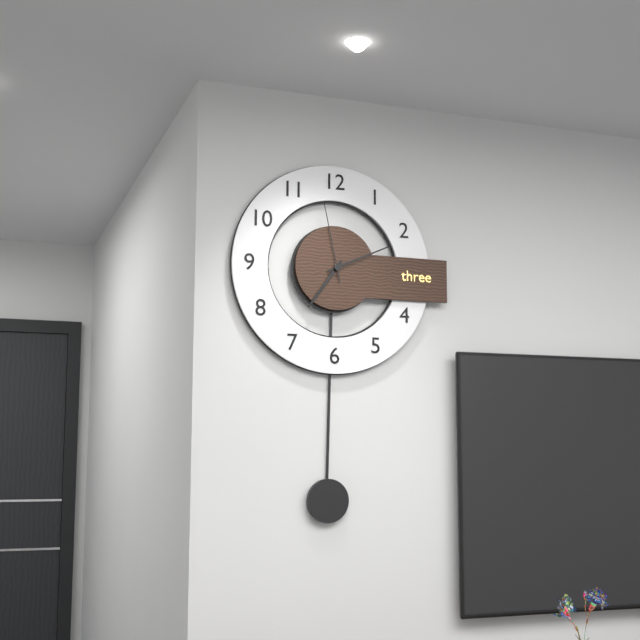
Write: 7h11m58s
